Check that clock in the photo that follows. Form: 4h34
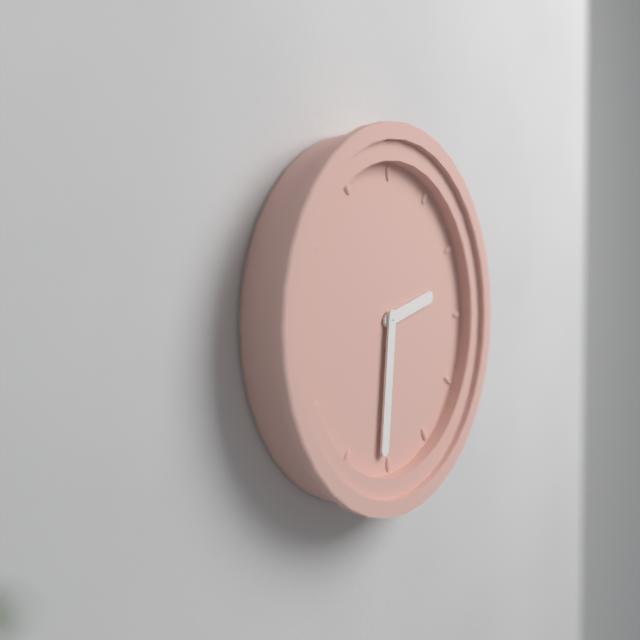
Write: 2h31
